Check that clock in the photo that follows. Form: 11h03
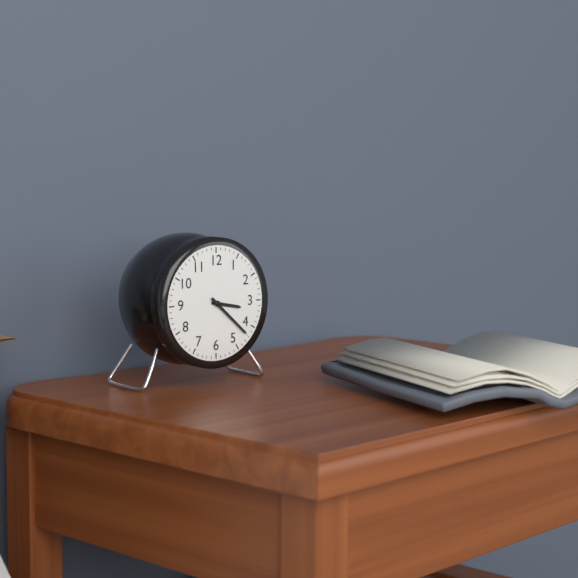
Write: 3h22
